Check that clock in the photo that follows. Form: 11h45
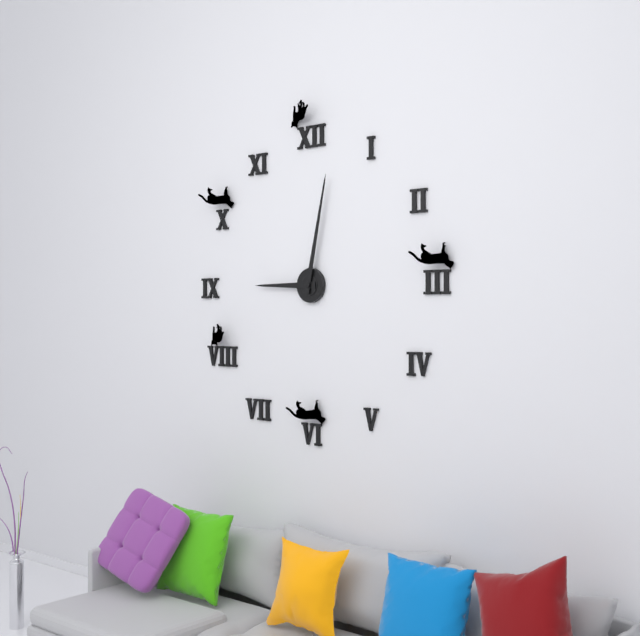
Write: 9h02
